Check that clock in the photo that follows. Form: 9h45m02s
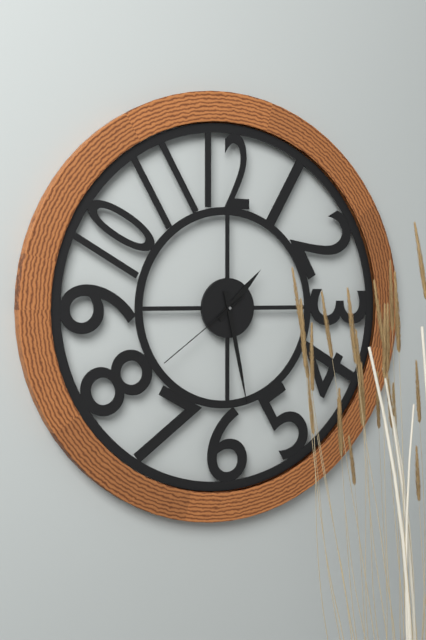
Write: 1h28m39s
